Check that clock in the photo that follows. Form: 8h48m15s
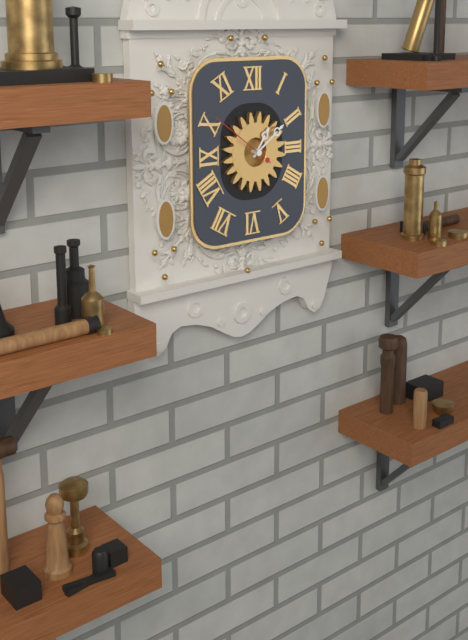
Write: 1h09m51s
